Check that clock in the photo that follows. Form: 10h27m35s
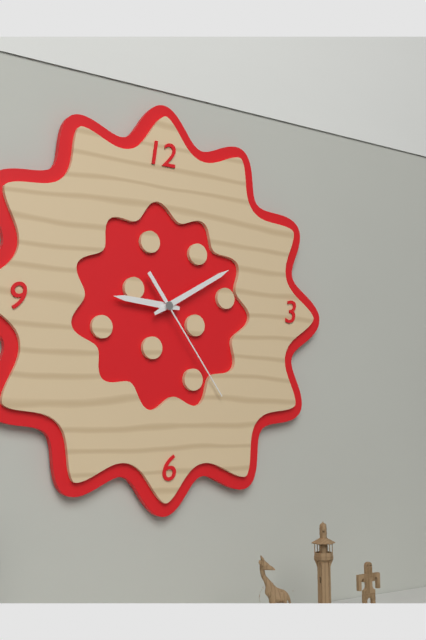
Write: 9h10m24s
